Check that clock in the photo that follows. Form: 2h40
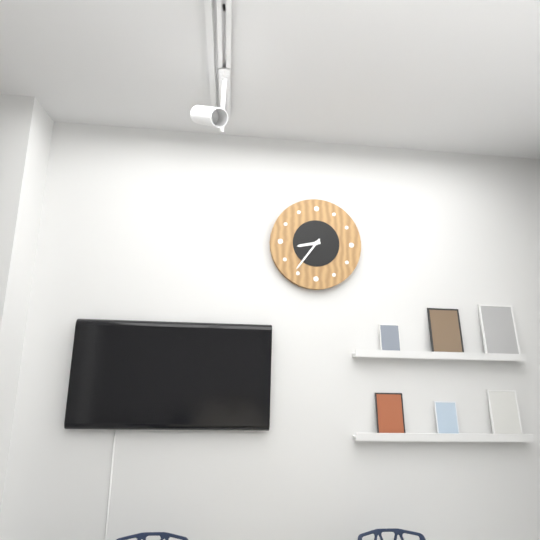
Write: 8h36
